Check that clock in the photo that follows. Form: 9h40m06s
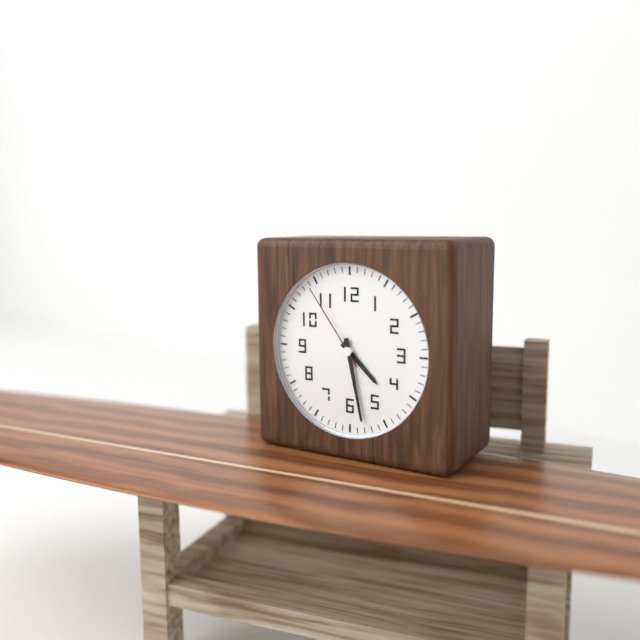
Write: 4h28m54s
